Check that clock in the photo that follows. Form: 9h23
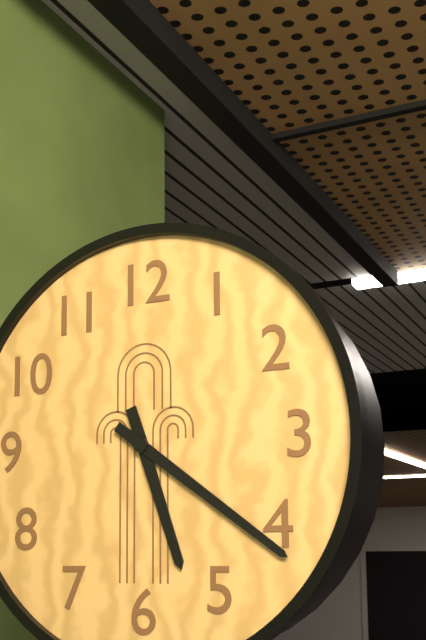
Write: 5h21
